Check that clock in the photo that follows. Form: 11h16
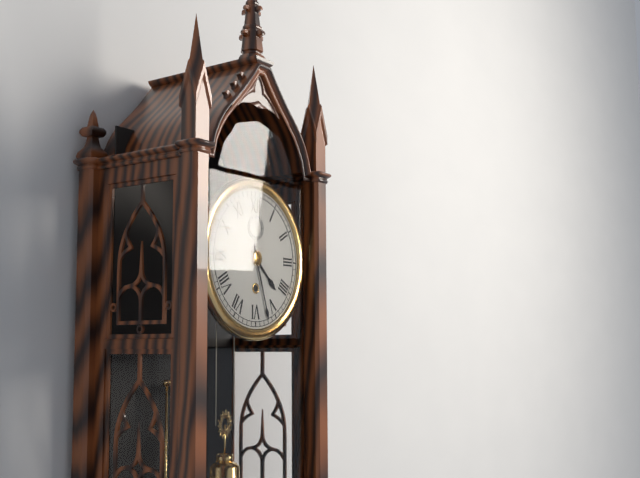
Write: 4h27
